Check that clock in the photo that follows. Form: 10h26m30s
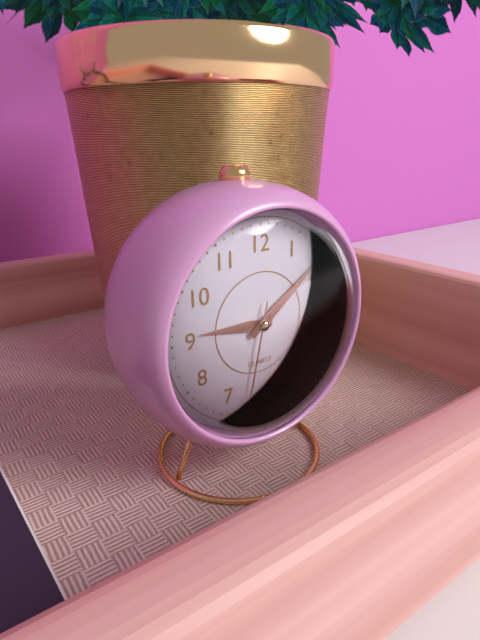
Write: 9h09m32s
